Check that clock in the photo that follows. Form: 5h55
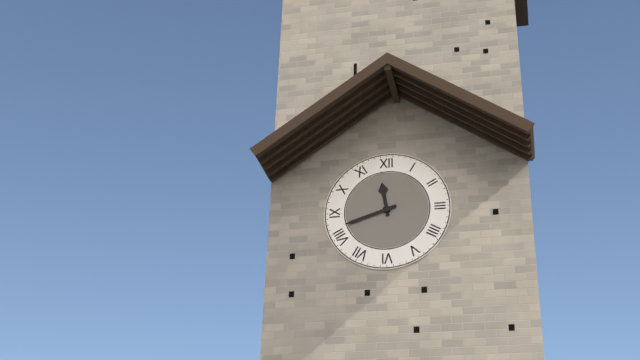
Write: 11h42
